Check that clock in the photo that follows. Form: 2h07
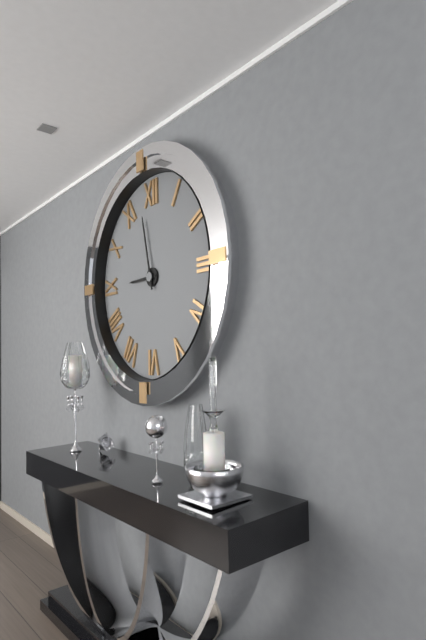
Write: 8h58
